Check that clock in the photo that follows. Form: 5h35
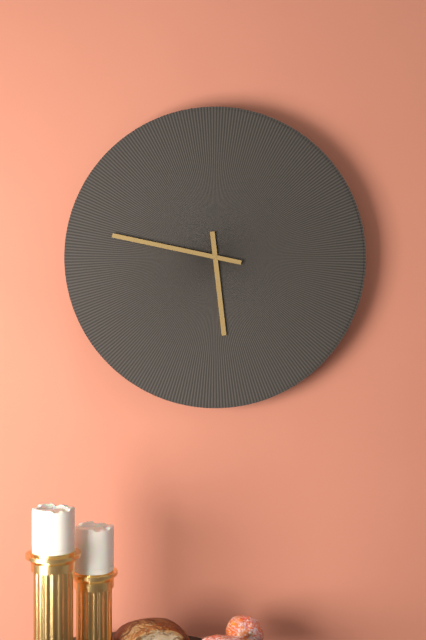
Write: 5h47
